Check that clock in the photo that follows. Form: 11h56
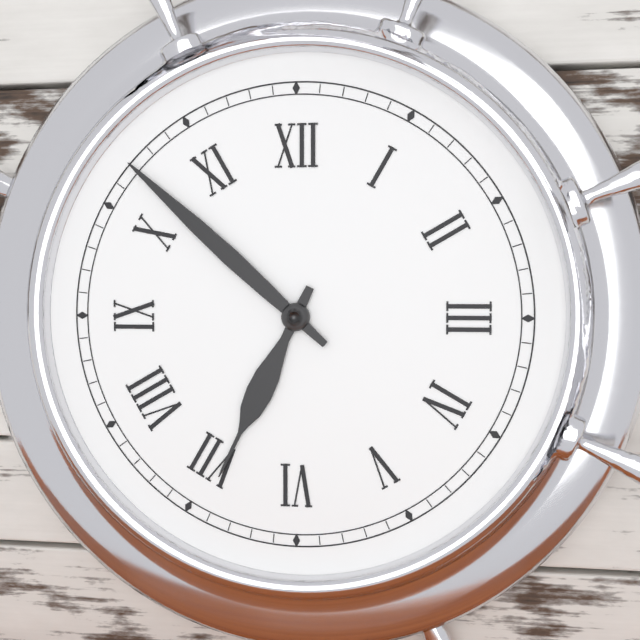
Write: 6h52
